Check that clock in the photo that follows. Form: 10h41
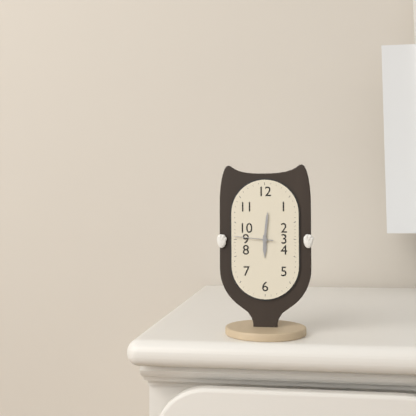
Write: 6h01
